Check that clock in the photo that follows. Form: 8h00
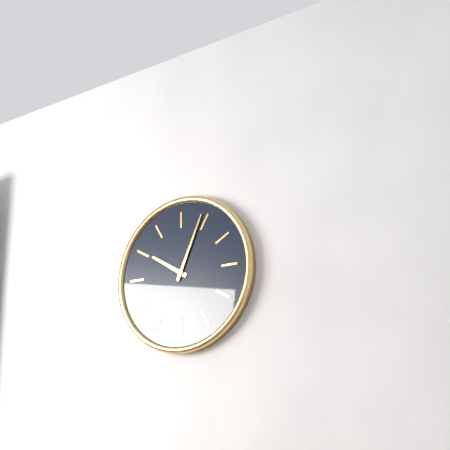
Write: 10h04
